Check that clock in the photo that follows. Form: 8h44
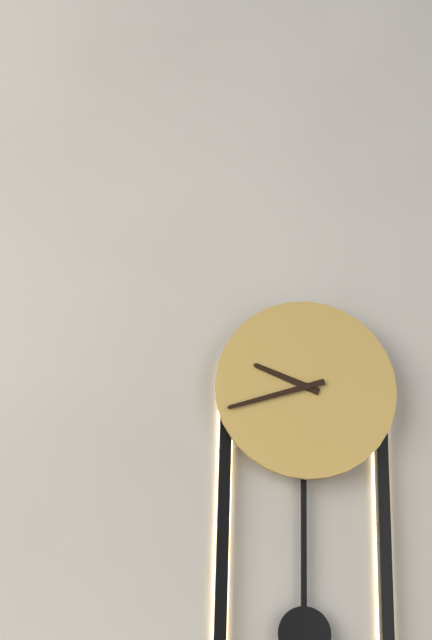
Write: 9h42
